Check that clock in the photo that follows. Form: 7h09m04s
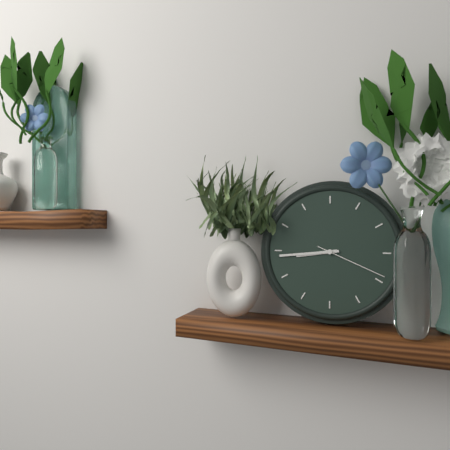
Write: 8h44m19s
